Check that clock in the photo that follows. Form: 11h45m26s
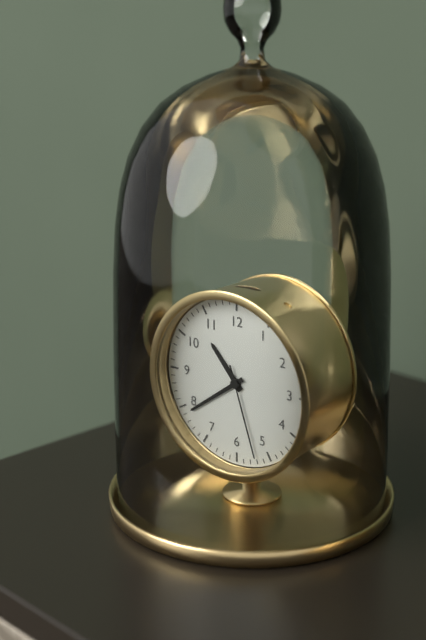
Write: 10h39m27s
